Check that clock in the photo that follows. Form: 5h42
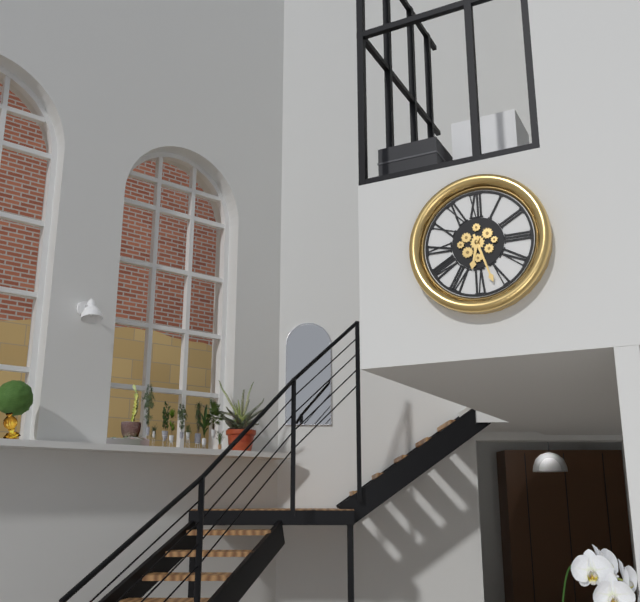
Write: 6h27
